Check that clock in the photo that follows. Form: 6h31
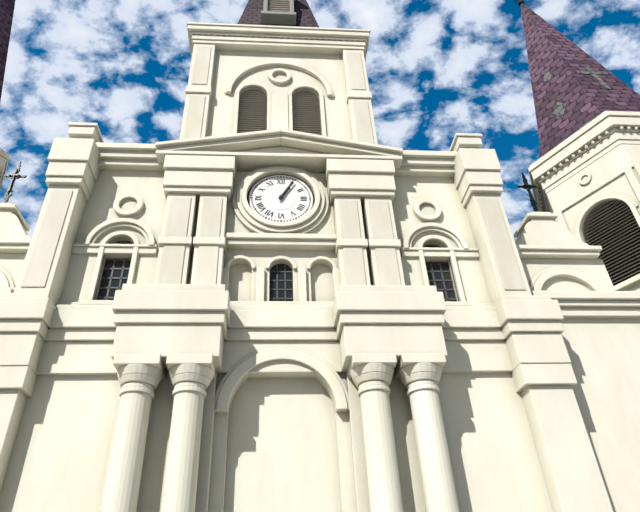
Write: 1h05
